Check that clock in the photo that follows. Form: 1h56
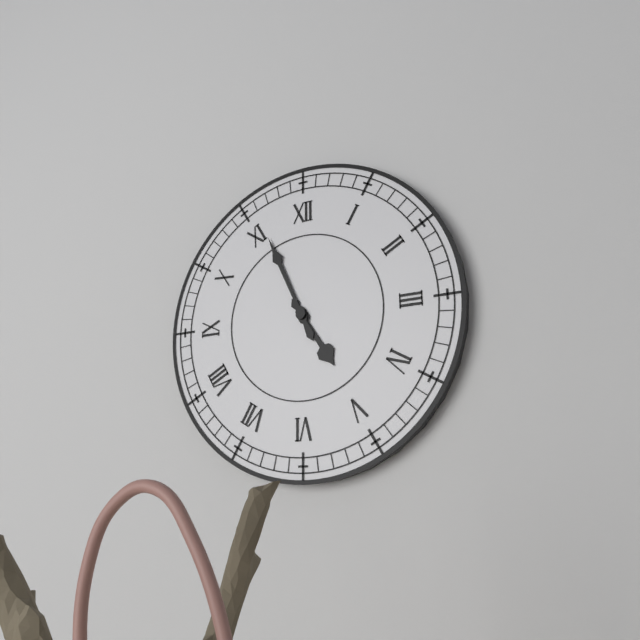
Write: 4h56
